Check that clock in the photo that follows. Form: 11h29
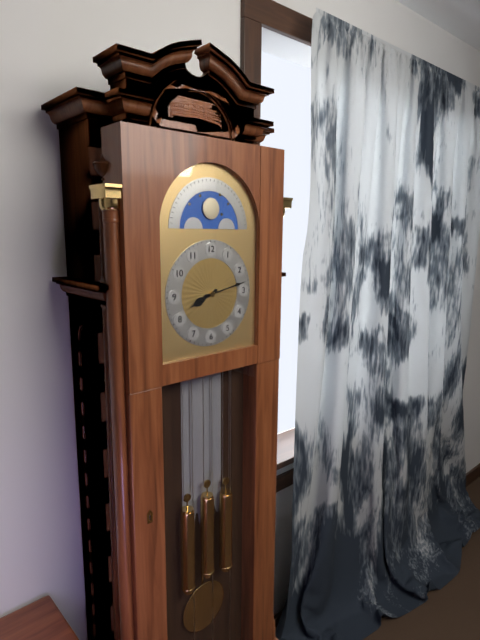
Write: 8h13
